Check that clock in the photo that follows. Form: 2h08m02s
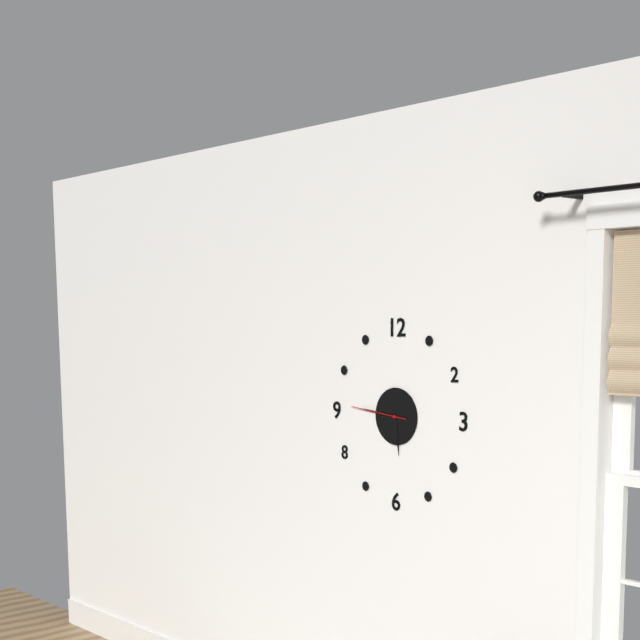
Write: 5h46m46s
